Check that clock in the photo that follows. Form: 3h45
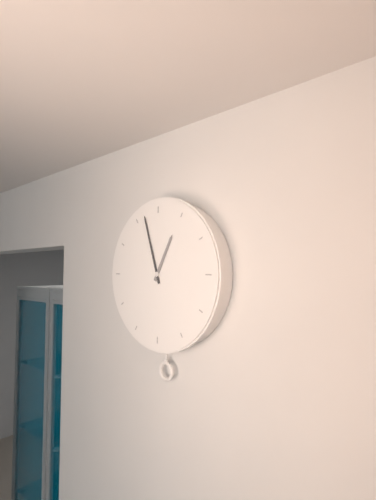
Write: 12h57
